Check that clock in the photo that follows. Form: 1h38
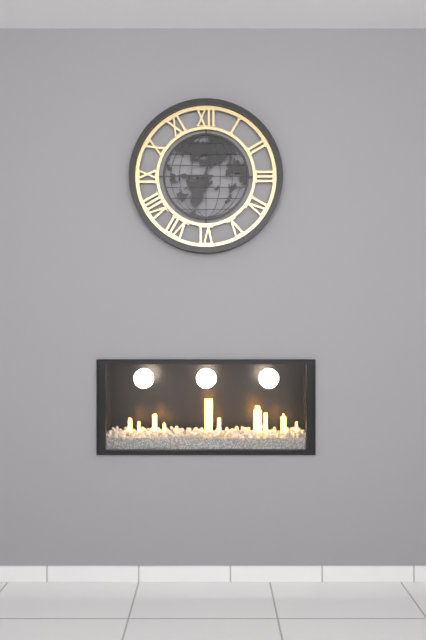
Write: 9h01
